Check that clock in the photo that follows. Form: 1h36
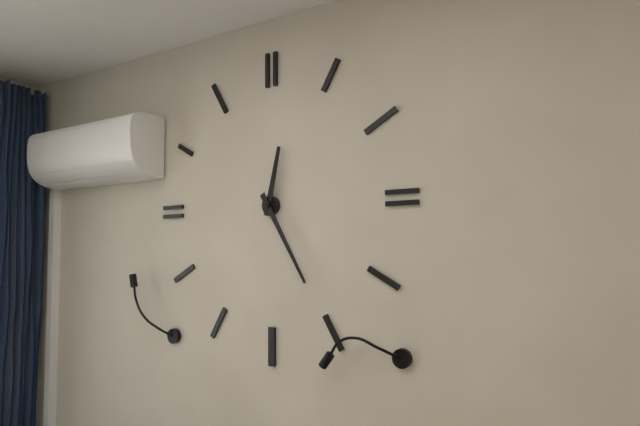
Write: 12h25
